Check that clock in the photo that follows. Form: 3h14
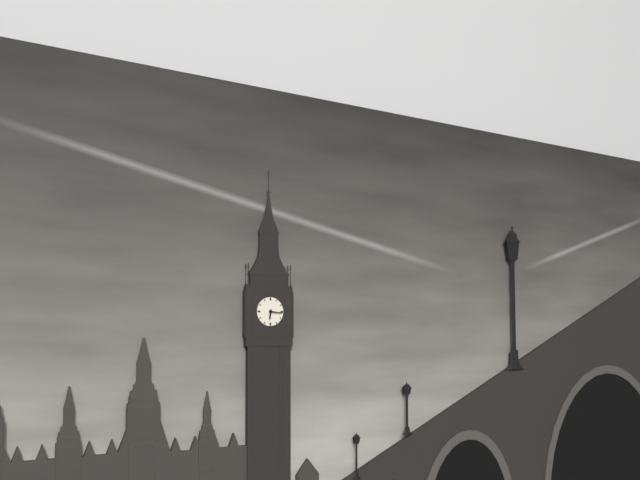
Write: 6h16
